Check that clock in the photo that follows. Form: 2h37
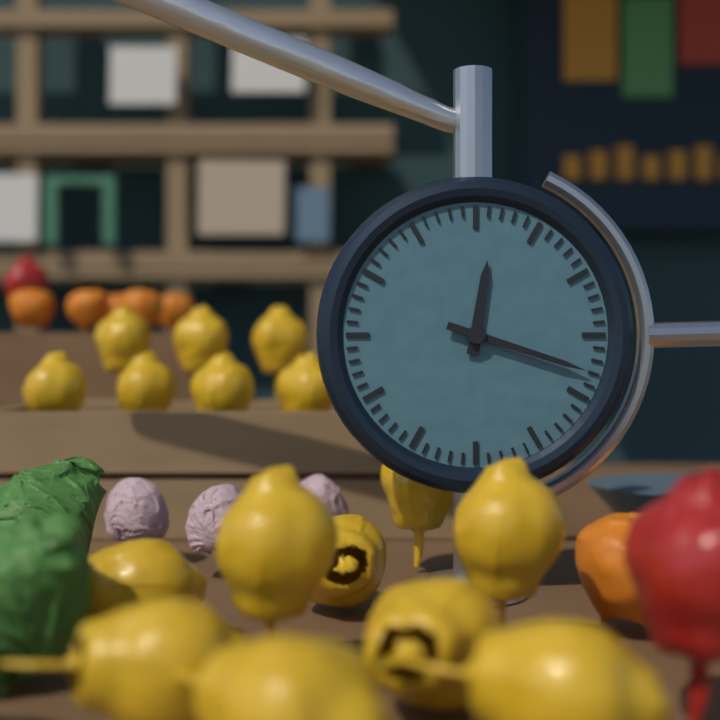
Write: 12h18
